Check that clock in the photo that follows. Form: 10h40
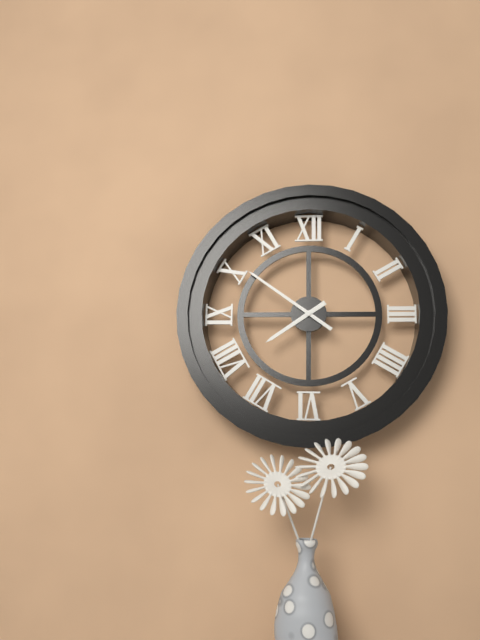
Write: 7h51
